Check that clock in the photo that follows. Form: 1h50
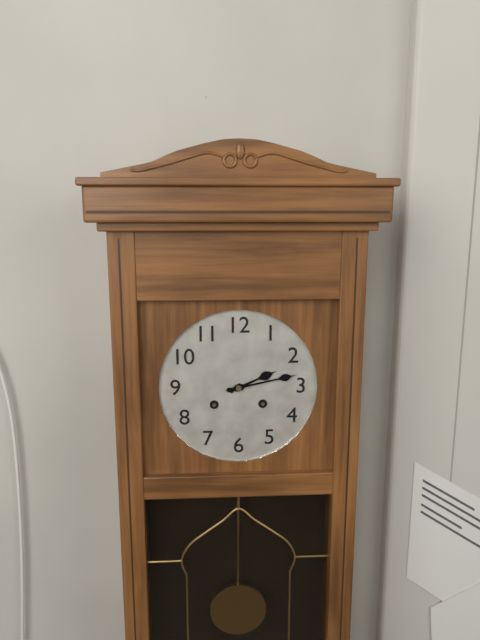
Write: 2h13
